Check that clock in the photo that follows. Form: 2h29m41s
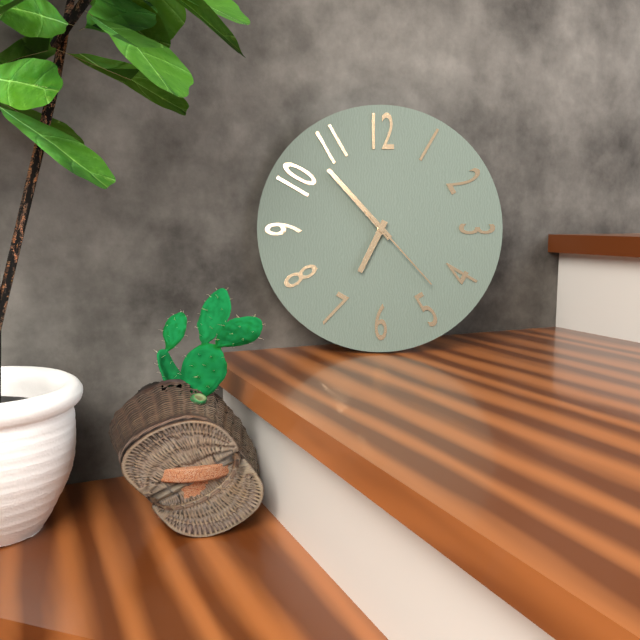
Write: 6h53m23s
